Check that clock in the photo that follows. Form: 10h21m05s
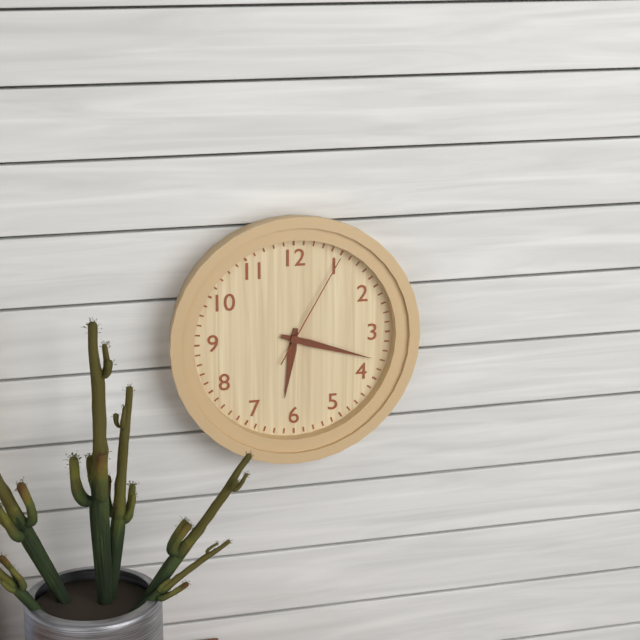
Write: 6h18m05s
